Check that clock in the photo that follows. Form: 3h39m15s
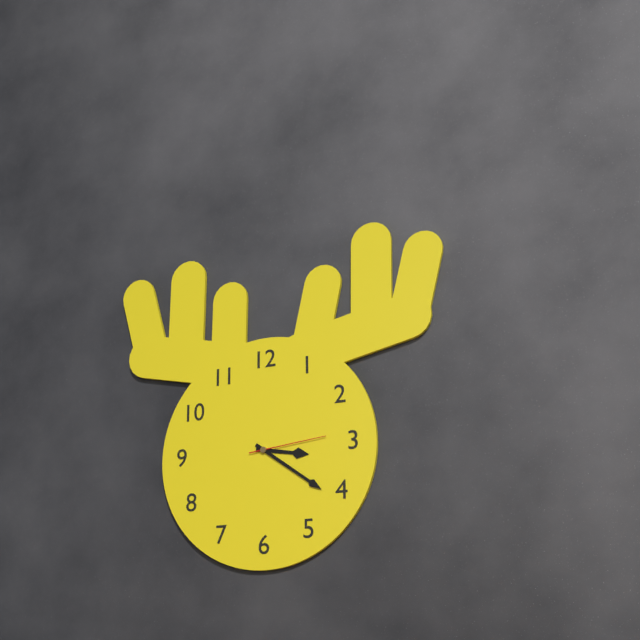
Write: 3h21m14s
